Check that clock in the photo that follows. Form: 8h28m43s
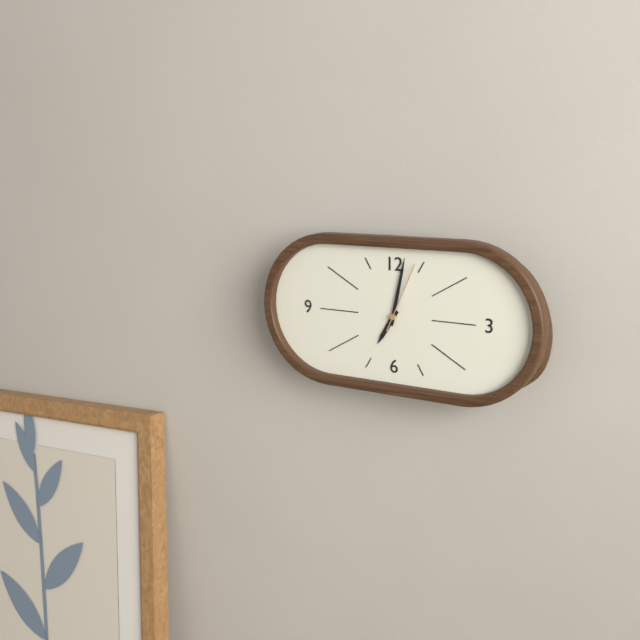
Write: 7h02m04s
